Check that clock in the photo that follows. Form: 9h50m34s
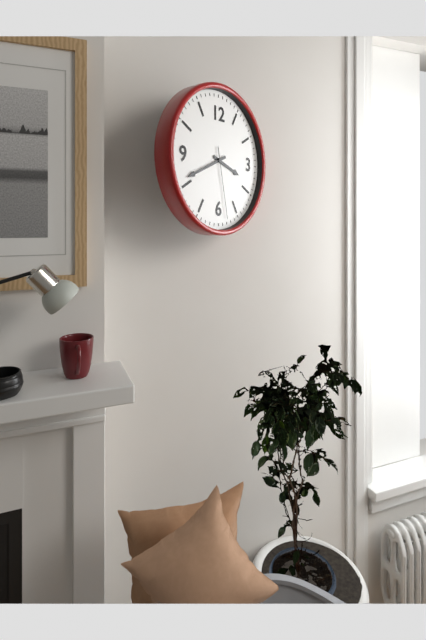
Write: 3h41m28s
